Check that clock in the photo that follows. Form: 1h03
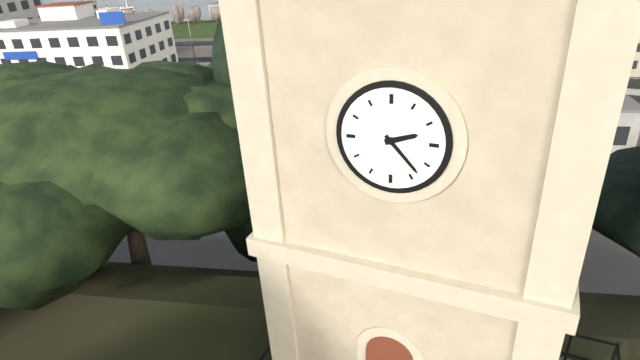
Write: 2h23
